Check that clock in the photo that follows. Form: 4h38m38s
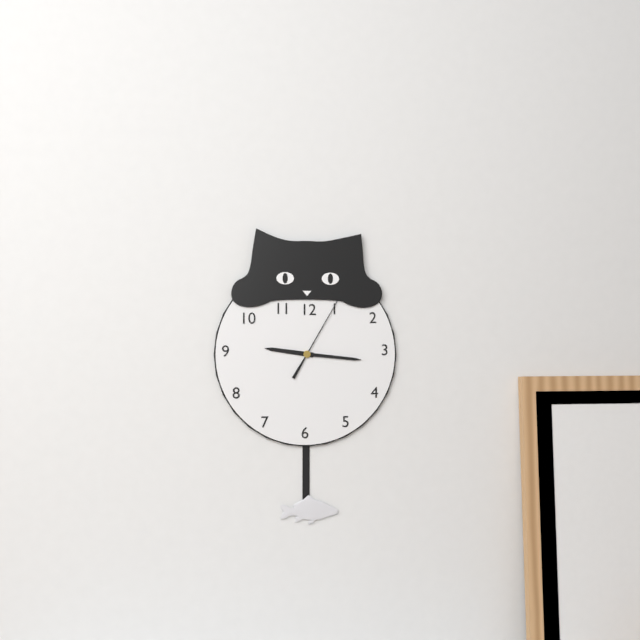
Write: 9h16m05s
